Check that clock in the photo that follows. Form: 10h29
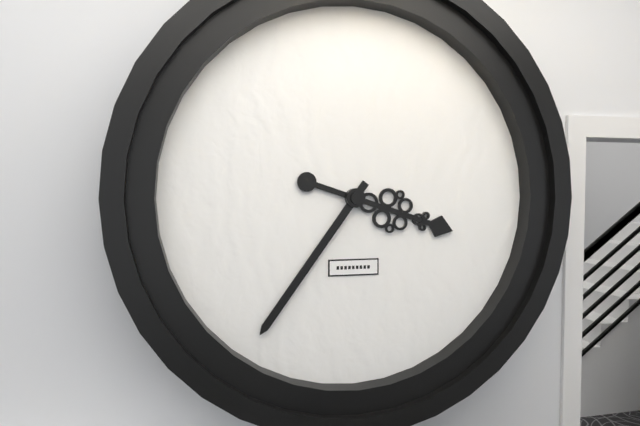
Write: 3h36
